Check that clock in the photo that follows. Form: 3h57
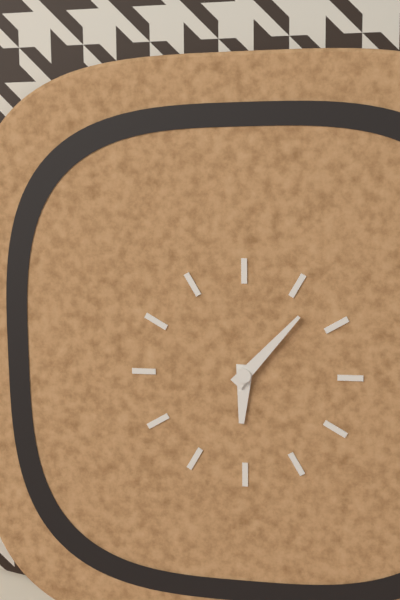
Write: 6h07
